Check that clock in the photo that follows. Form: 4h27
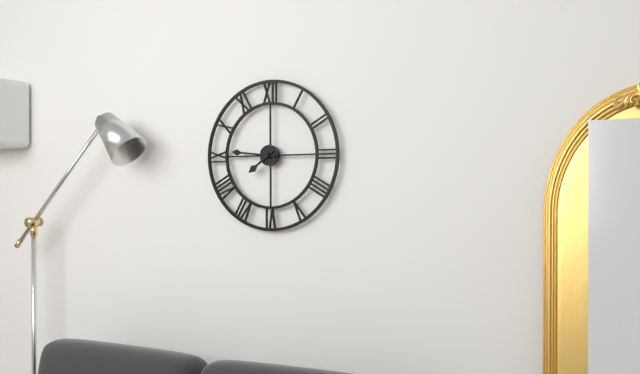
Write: 7h46
